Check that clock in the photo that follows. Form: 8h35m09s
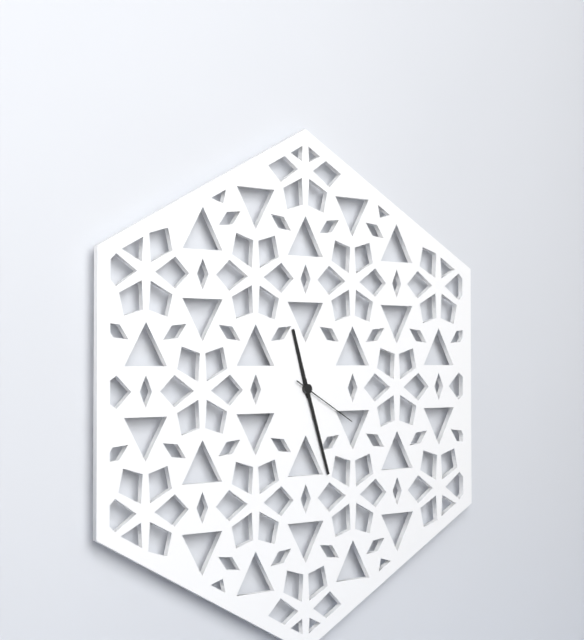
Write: 11h27m20s
